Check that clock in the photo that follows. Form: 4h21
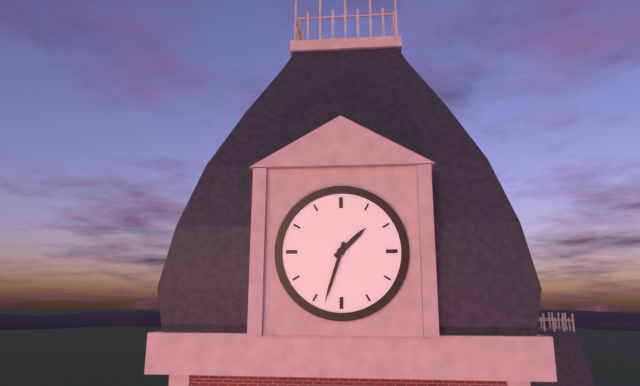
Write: 1h33
